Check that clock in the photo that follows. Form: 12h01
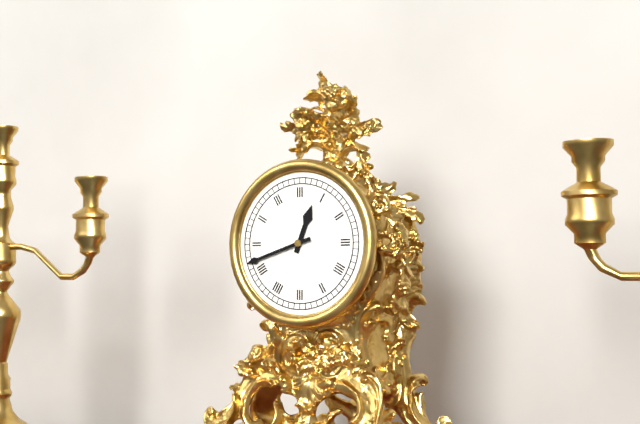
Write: 12h42
